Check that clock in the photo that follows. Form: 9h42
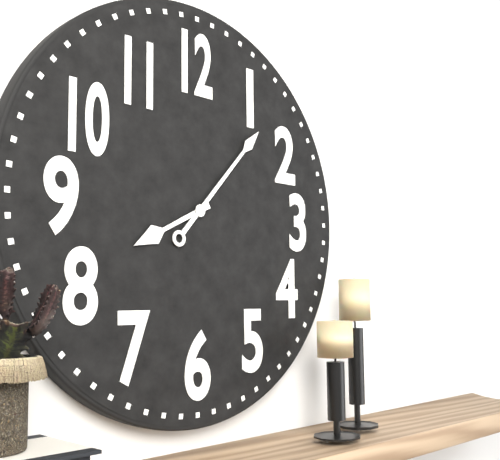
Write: 8h07
